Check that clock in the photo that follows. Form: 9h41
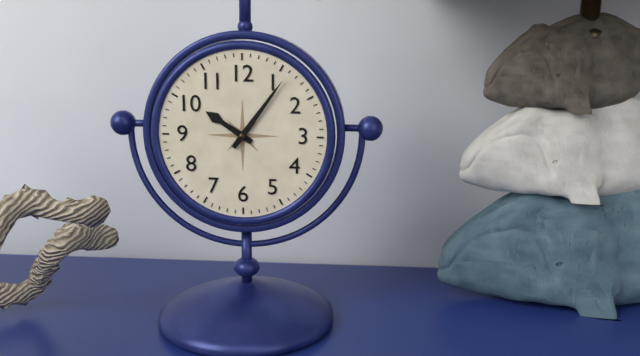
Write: 10h06
